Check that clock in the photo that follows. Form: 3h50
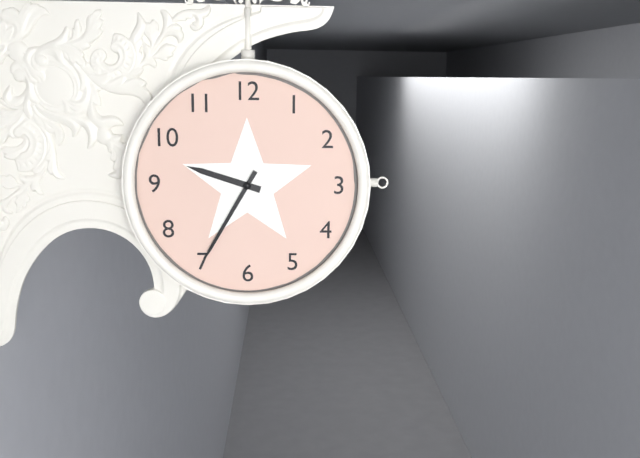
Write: 9h35
